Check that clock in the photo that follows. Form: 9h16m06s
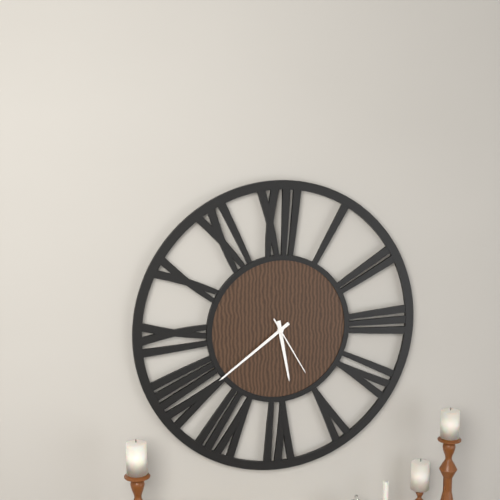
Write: 5h39m25s
